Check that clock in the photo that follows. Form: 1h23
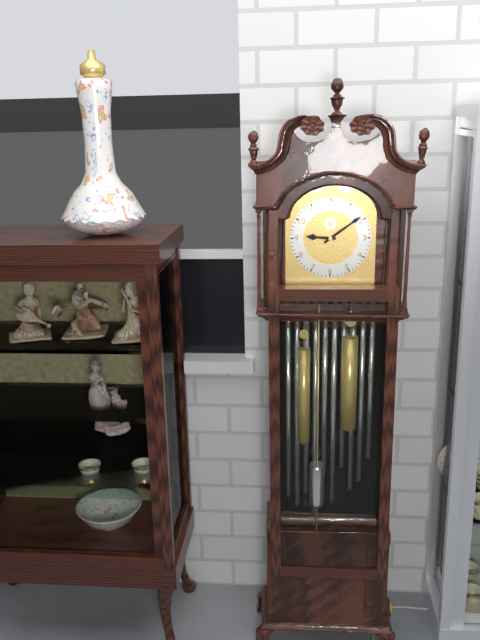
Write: 9h09
